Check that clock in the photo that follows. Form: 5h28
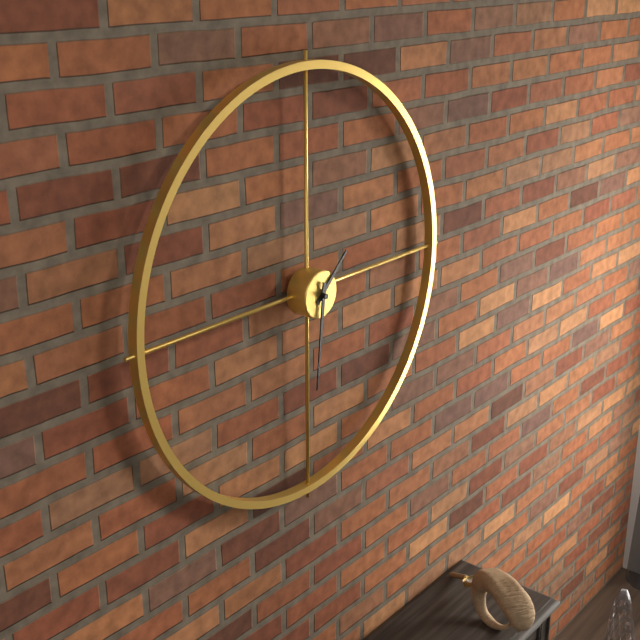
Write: 1h31
